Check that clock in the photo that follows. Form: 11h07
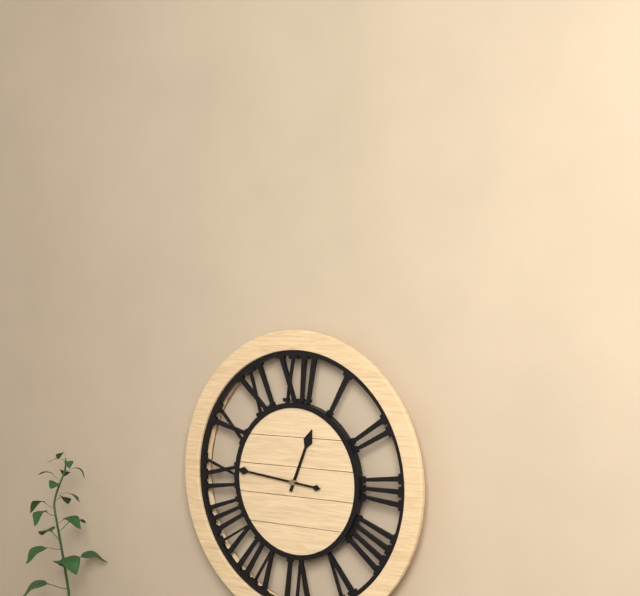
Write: 12h46
